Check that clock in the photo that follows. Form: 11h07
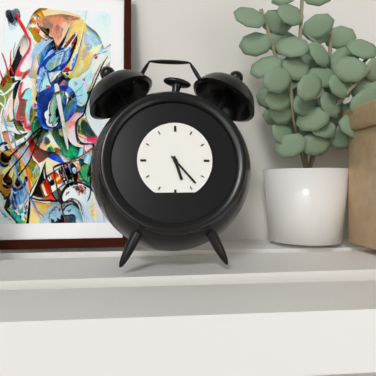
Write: 5h23
